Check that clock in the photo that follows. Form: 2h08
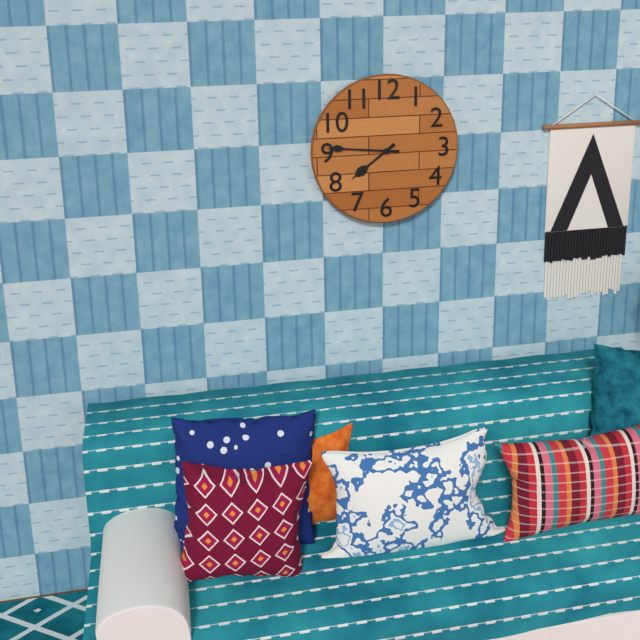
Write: 7h46
